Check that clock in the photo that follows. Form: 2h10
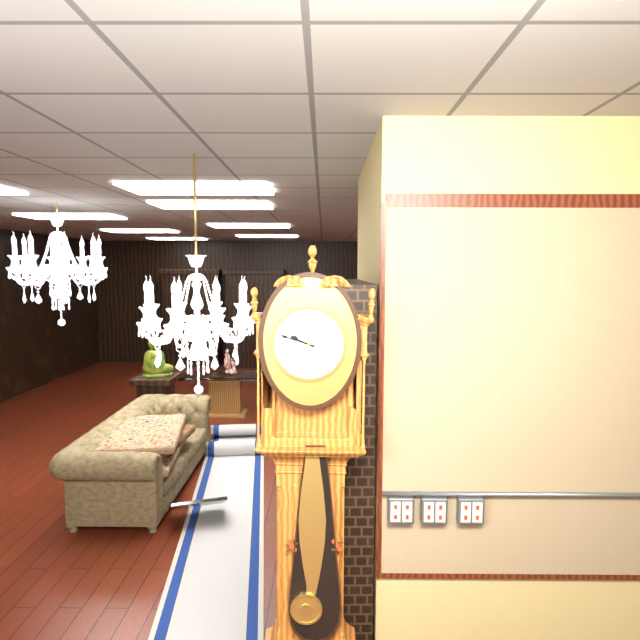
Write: 9h48
